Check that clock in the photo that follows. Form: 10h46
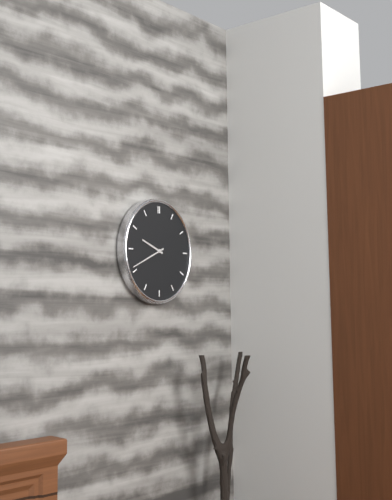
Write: 9h41
